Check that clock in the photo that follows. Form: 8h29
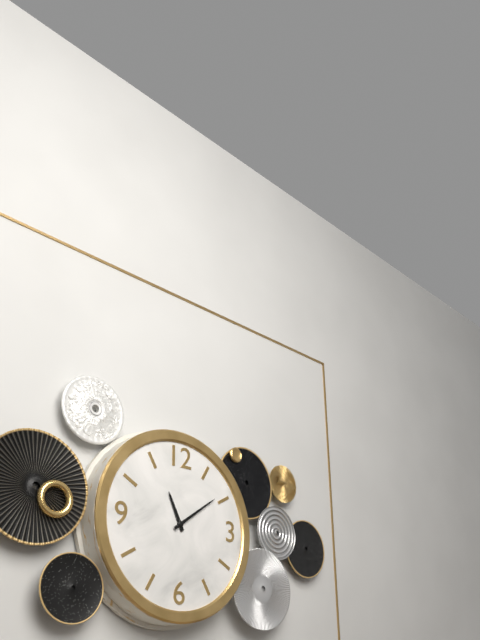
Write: 11h09
